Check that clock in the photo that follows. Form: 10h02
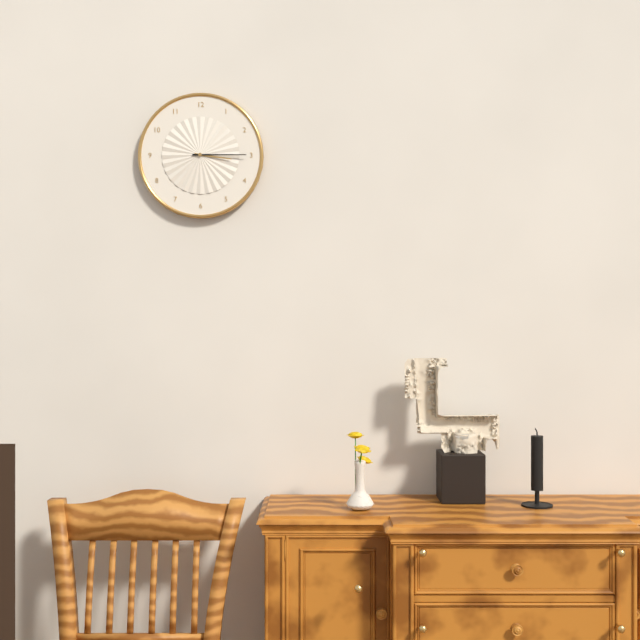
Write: 3h15
